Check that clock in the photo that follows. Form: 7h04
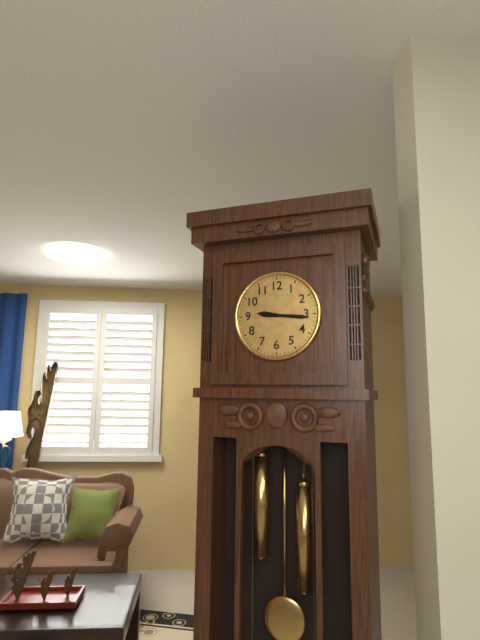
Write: 9h16
